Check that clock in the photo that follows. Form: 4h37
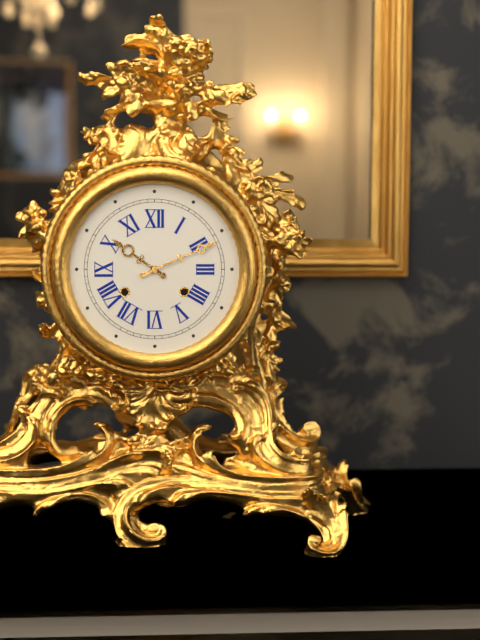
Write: 10h11
